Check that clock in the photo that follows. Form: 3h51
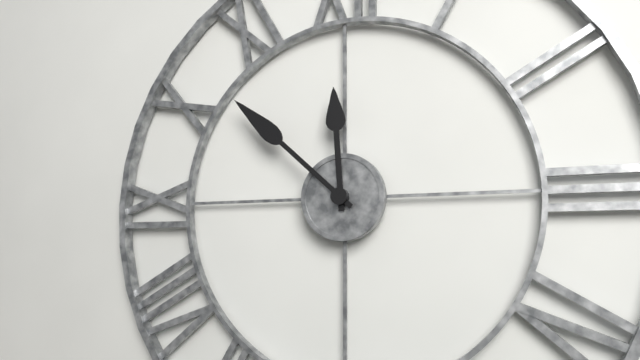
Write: 11h52
